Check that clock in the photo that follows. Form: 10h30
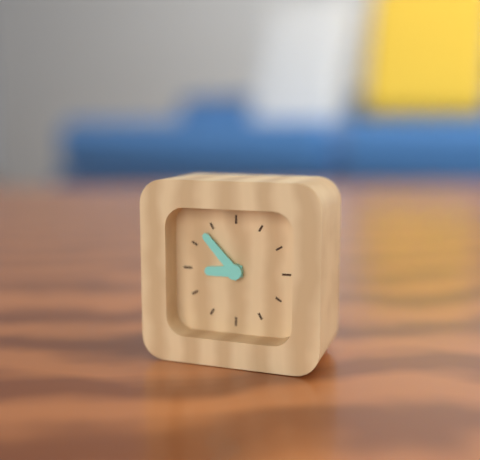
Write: 8h53
